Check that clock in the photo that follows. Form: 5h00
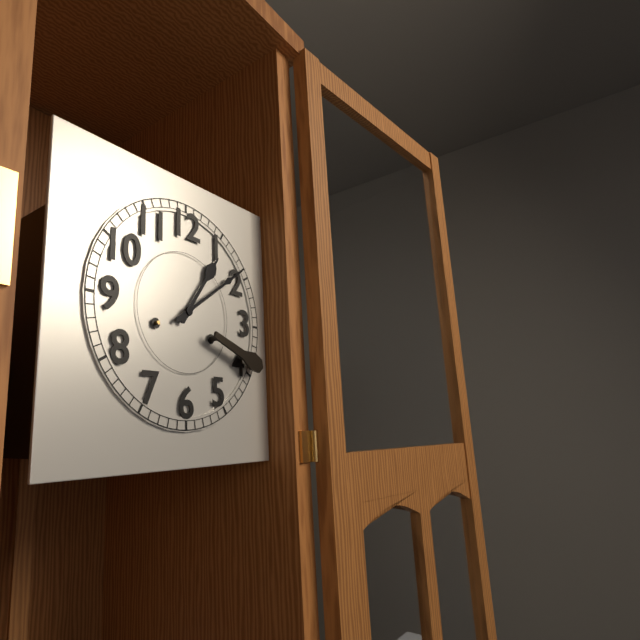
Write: 1h09
